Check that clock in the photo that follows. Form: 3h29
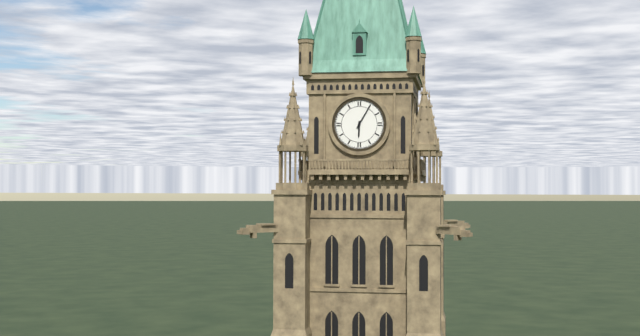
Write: 6h05
